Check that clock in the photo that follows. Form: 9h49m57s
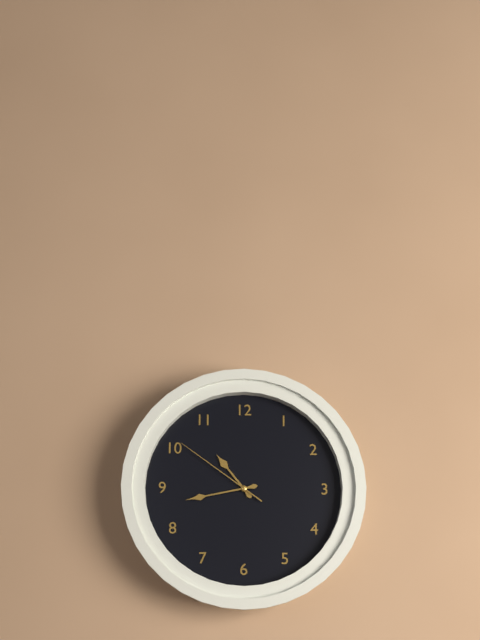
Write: 10h43m51s
